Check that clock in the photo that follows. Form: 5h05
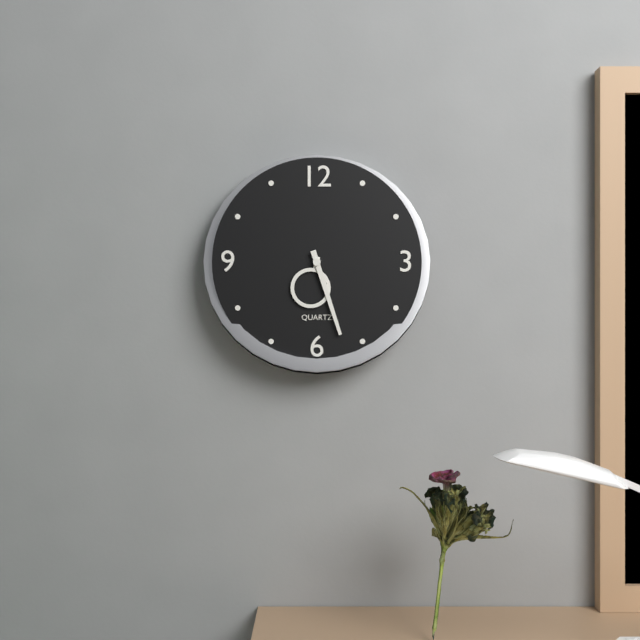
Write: 6h27
